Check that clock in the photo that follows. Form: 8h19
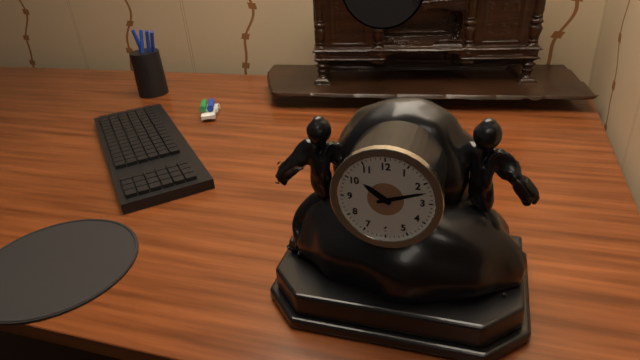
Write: 10h12
